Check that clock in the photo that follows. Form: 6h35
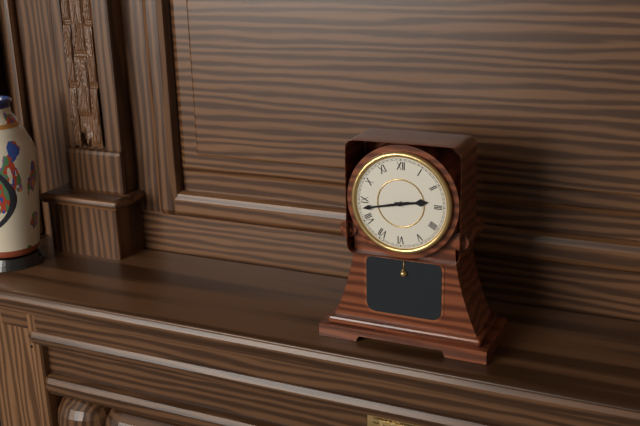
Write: 2h43
